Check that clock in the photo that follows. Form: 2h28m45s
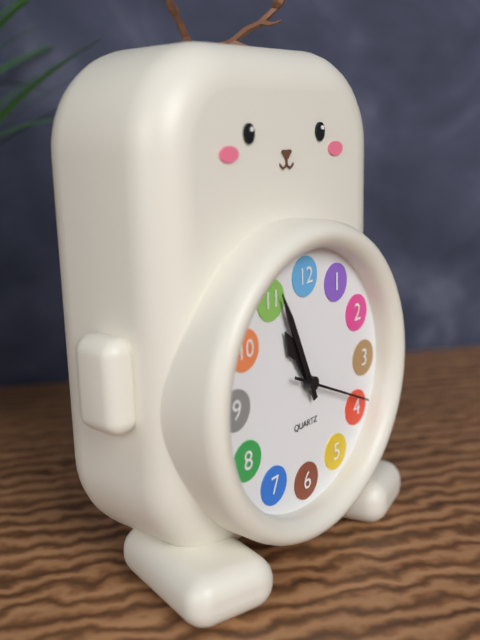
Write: 10h56m19s
